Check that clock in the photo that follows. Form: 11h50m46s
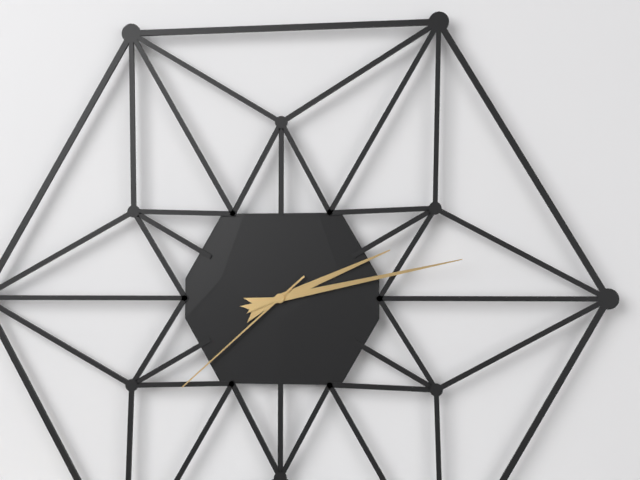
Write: 2h13m38s
